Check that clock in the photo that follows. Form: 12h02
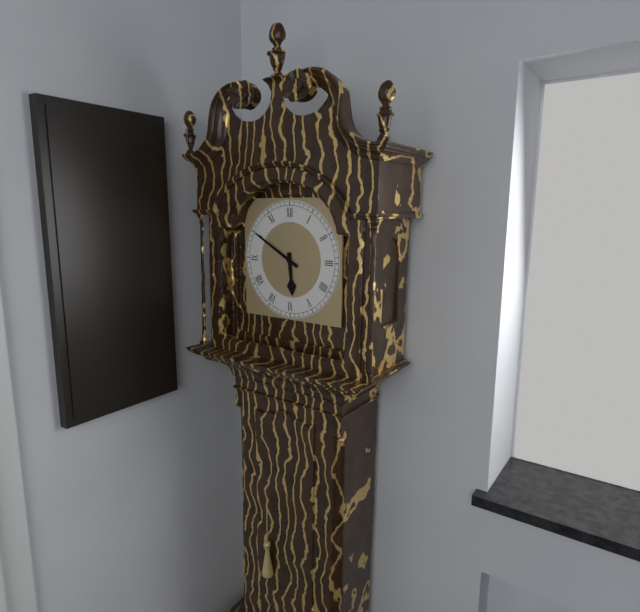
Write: 5h50
